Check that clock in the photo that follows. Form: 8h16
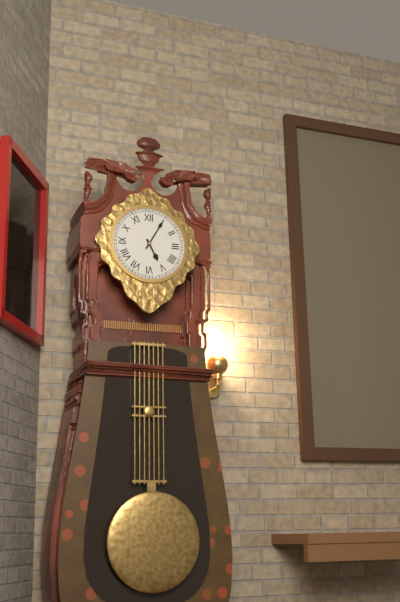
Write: 5h05
